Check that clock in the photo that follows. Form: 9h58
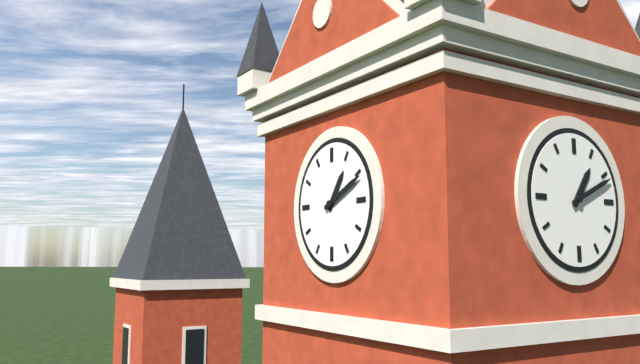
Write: 1h11
